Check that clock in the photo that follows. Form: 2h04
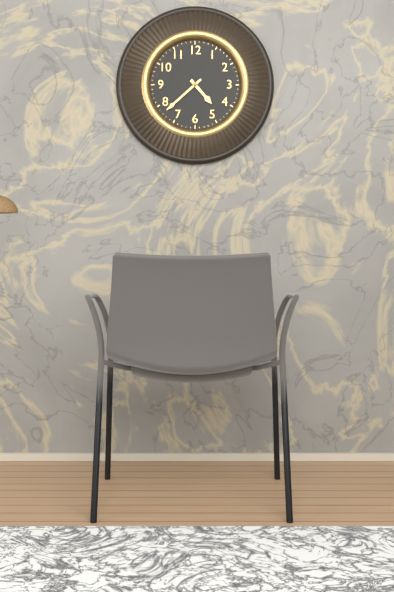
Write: 4h38
